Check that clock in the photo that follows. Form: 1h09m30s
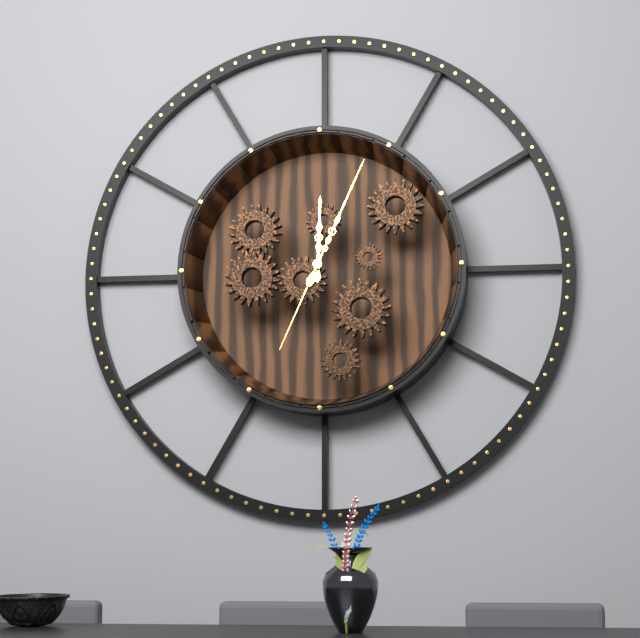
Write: 12h04m04s
